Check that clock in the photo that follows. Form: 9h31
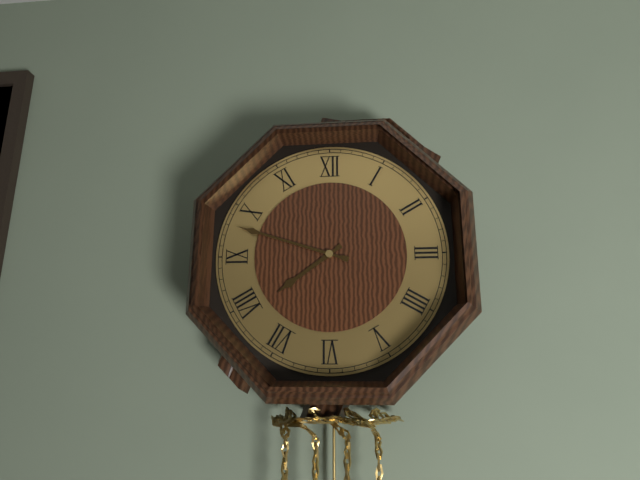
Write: 7h48
